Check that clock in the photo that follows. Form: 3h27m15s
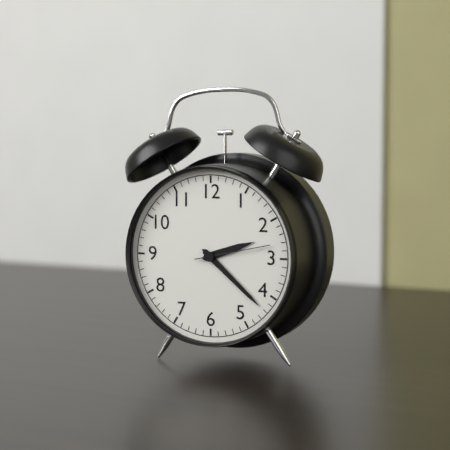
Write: 2h22m13s
